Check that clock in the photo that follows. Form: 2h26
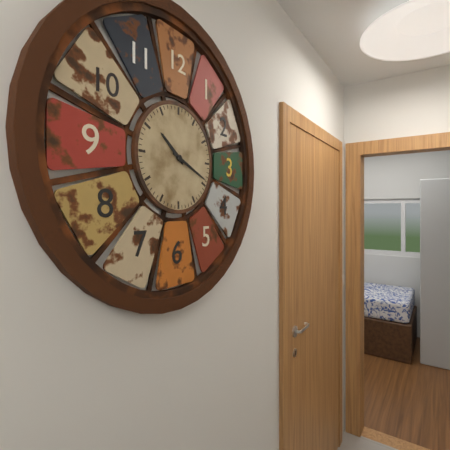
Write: 10h19
